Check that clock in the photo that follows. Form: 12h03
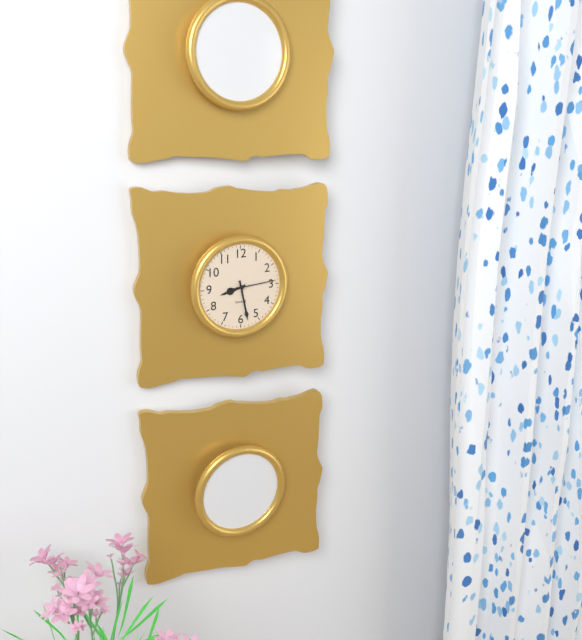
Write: 8h28
